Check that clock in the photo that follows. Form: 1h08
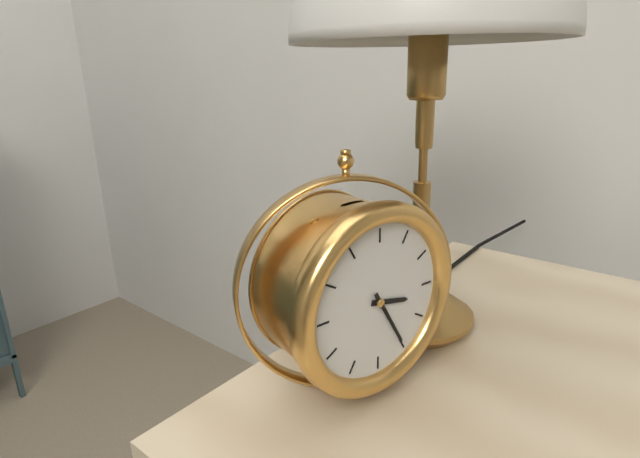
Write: 3h25
